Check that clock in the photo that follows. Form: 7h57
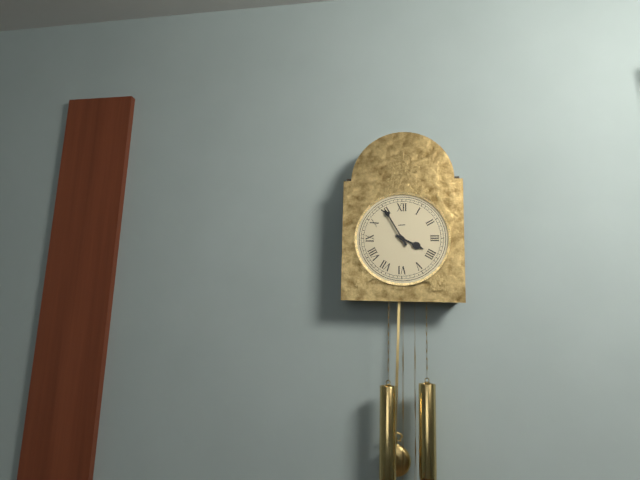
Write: 3h55
